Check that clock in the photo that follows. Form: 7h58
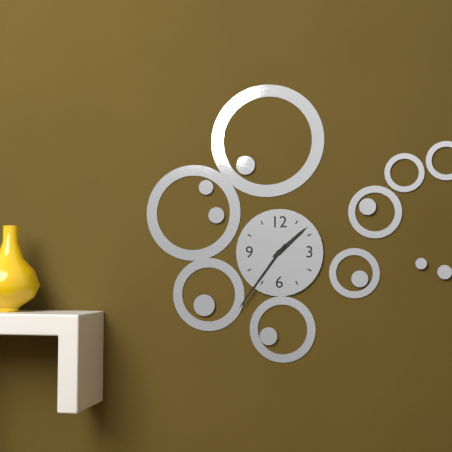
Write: 1h36
